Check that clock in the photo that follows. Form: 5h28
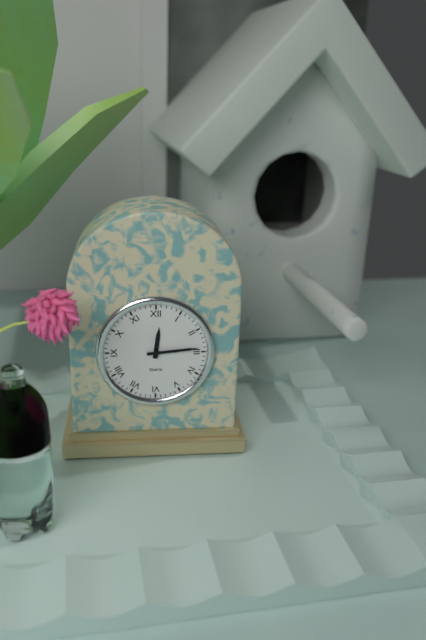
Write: 12h14
